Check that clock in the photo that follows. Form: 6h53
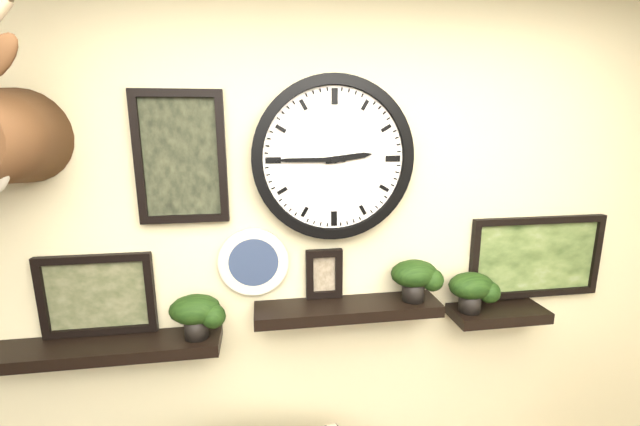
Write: 2h45
